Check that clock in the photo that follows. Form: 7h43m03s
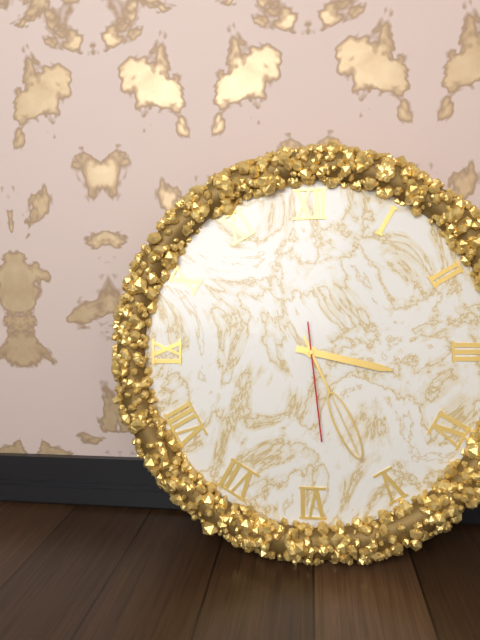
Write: 3h26m29s
